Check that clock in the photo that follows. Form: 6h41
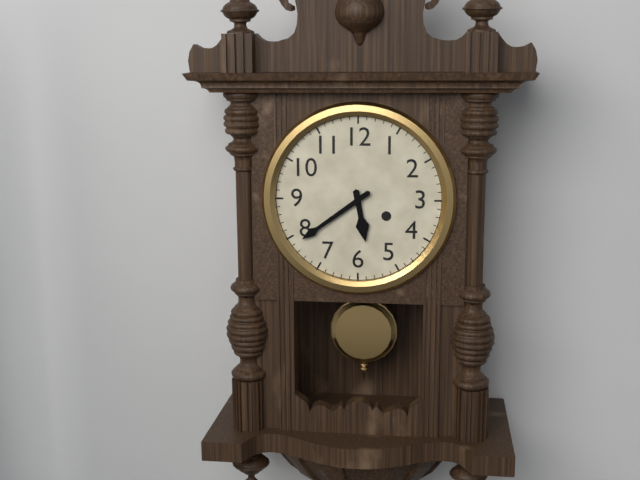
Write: 5h39
